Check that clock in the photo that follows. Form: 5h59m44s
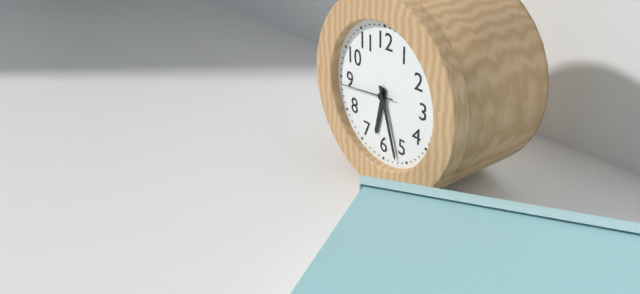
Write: 6h27m44s
